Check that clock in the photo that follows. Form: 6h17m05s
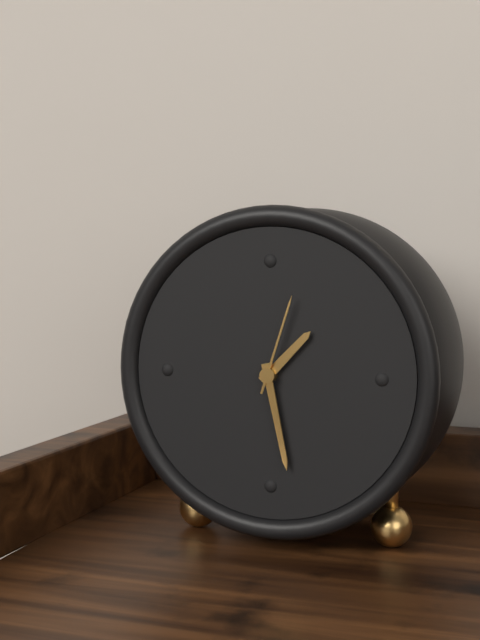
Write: 1h28m03s
